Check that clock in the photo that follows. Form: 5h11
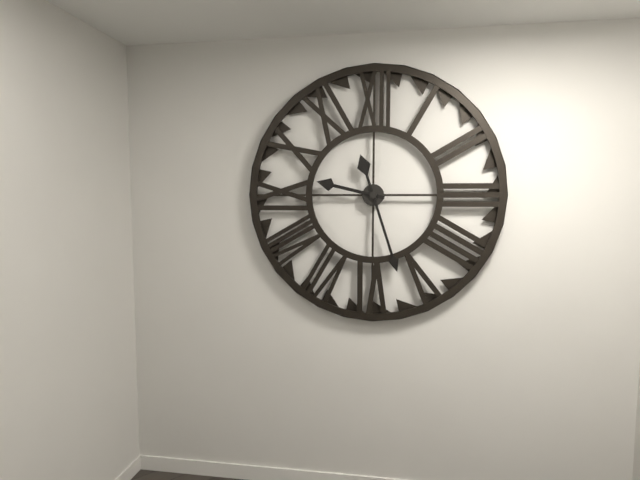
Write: 9h27
